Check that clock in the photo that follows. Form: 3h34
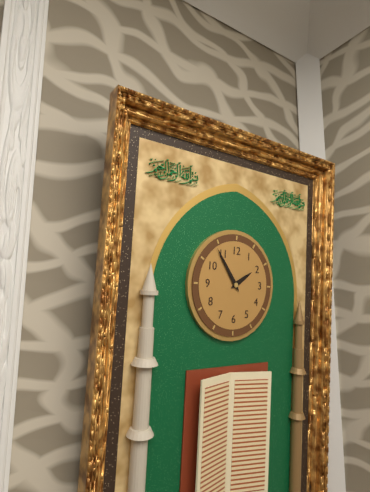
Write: 1h54
